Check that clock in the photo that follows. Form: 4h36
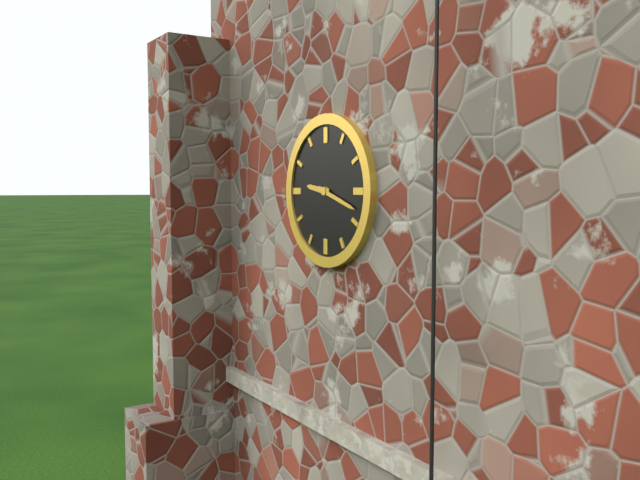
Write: 9h18
